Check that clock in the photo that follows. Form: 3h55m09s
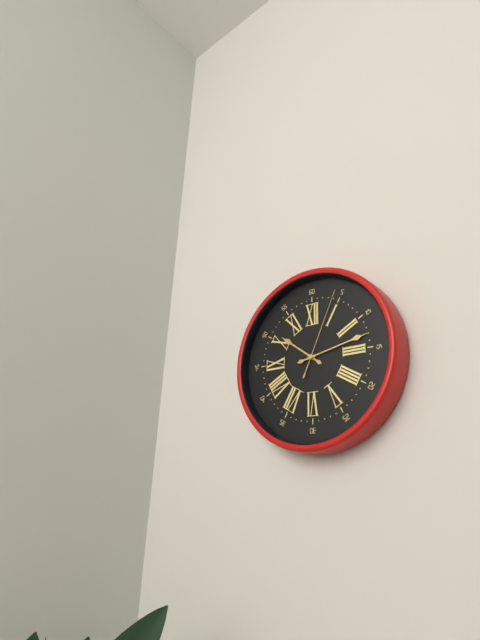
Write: 10h13m04s
